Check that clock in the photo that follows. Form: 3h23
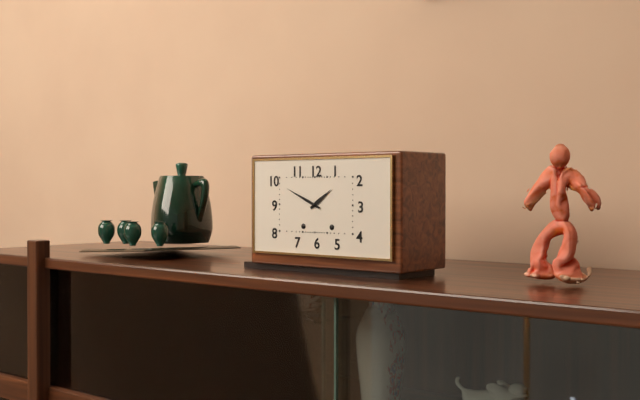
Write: 1h49
